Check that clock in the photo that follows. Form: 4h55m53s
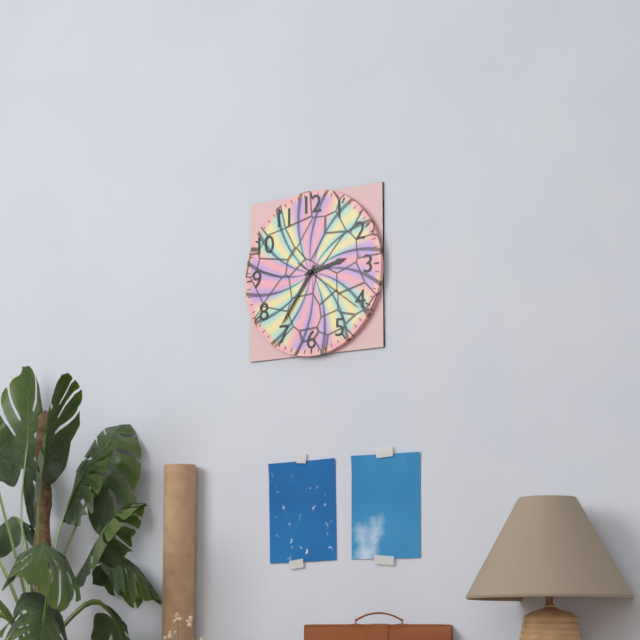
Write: 2h36m21s
